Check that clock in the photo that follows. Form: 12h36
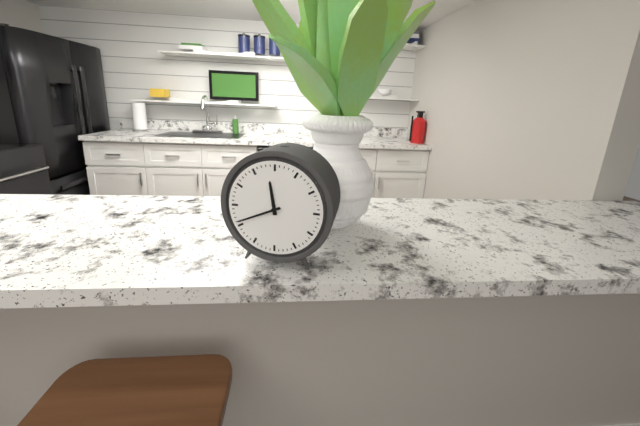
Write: 11h41
